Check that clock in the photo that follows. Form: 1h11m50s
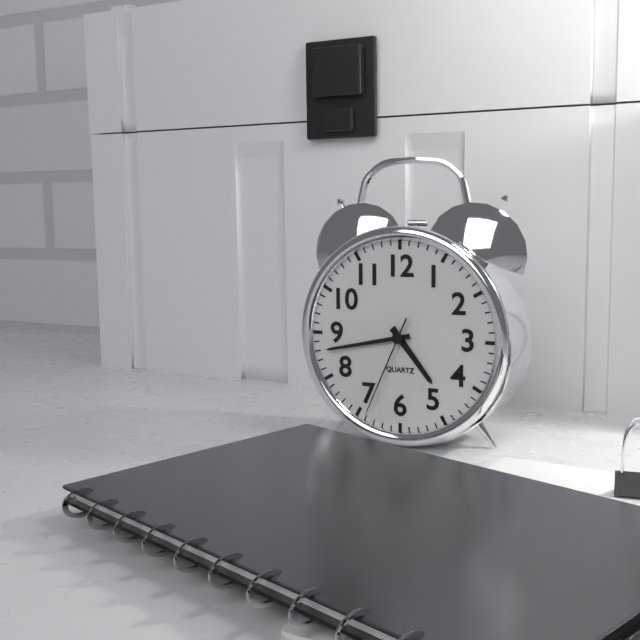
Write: 4h43m34s
